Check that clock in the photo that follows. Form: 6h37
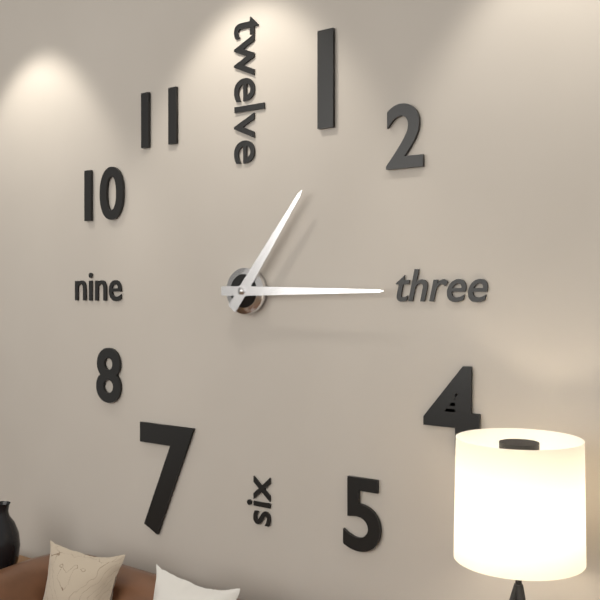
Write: 1h15
